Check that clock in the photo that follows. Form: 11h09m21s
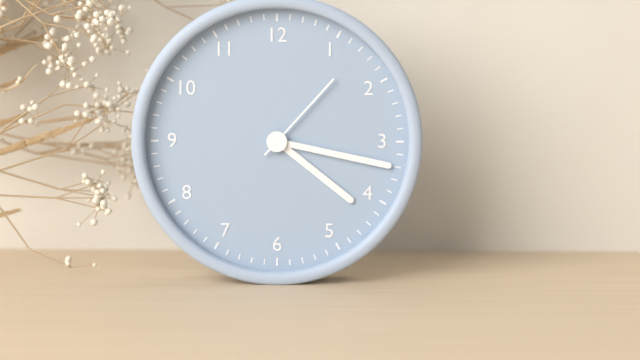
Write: 4h17m07s
